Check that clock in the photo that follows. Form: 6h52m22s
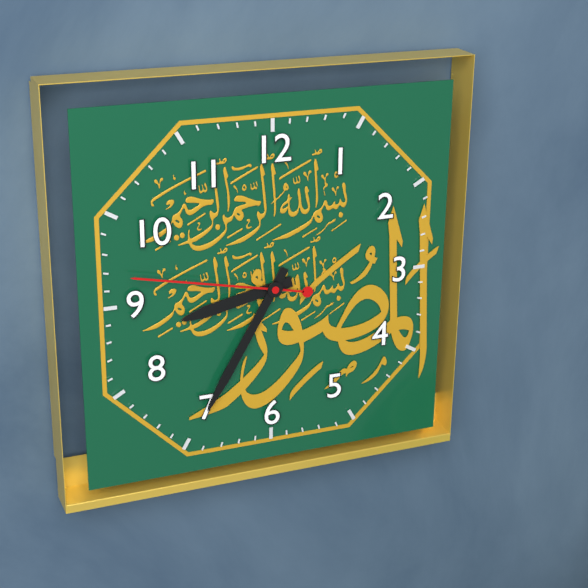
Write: 8h35m47s
